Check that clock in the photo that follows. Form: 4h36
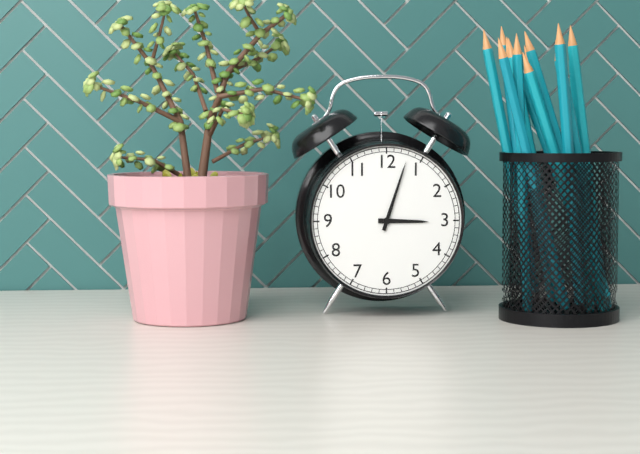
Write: 3h03
